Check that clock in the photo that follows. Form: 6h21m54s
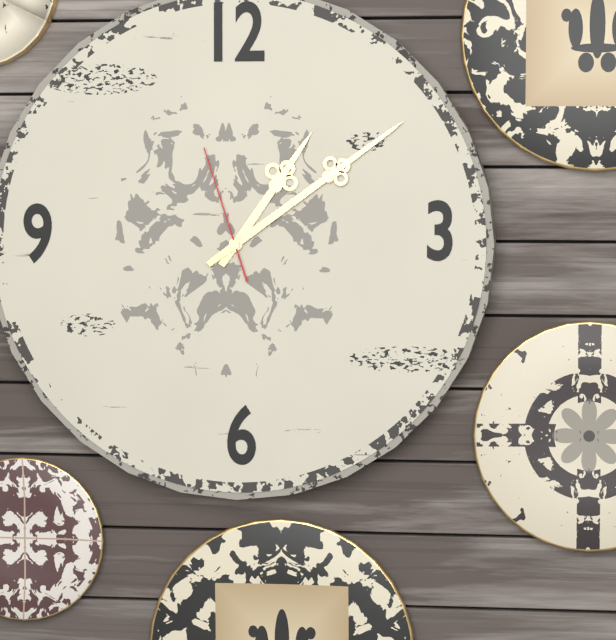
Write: 1h09m57s
